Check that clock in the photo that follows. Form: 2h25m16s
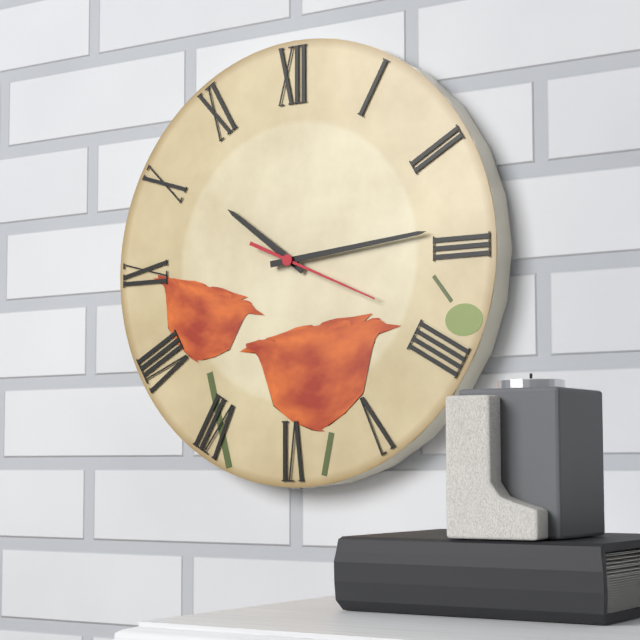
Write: 10h14m19s
